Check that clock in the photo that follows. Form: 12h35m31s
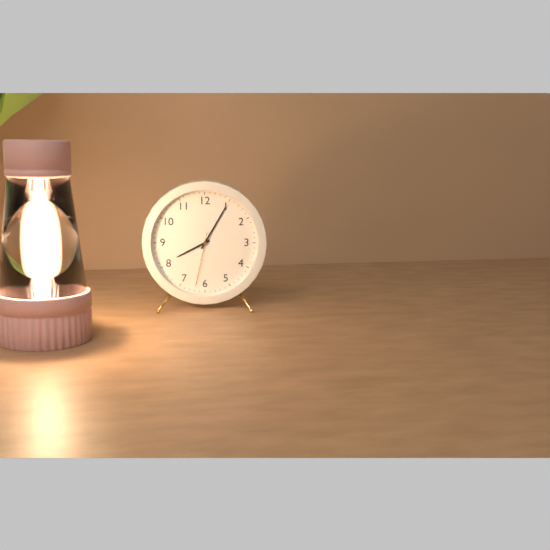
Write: 8h05m32s
